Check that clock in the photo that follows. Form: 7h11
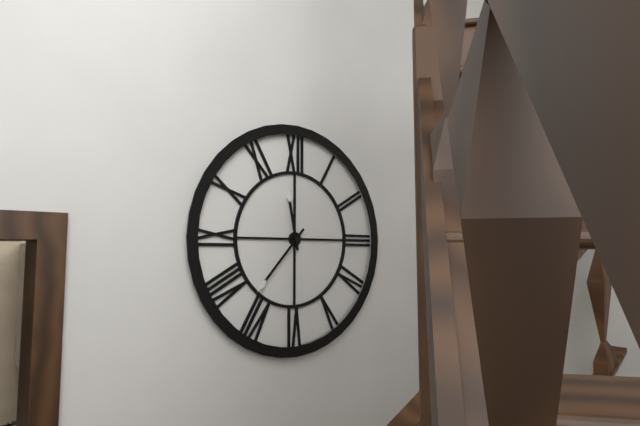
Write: 11h37
